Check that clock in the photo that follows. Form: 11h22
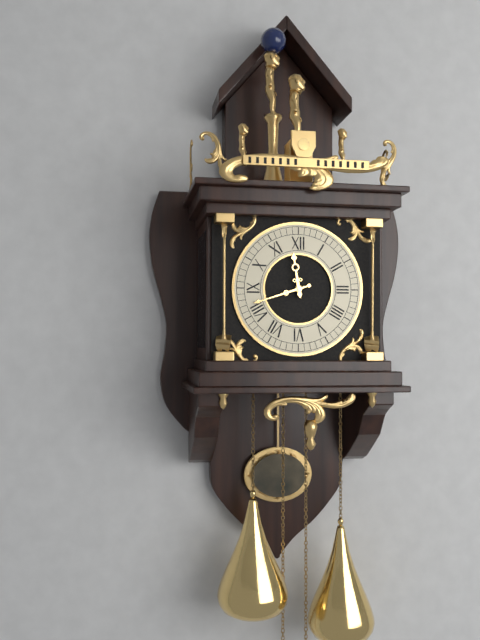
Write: 11h42
